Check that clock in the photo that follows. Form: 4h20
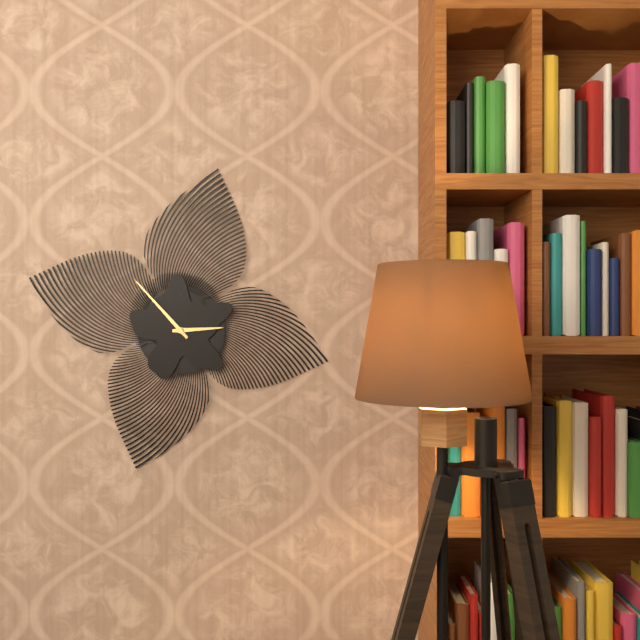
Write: 2h53
